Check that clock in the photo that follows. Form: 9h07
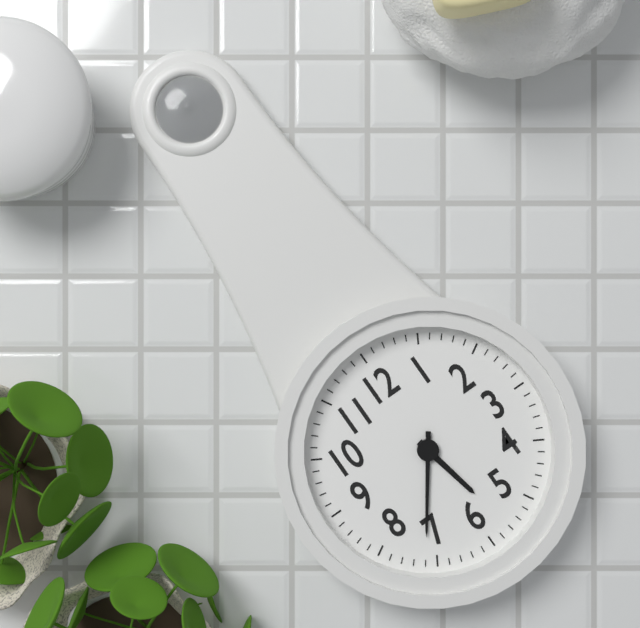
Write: 5h36
